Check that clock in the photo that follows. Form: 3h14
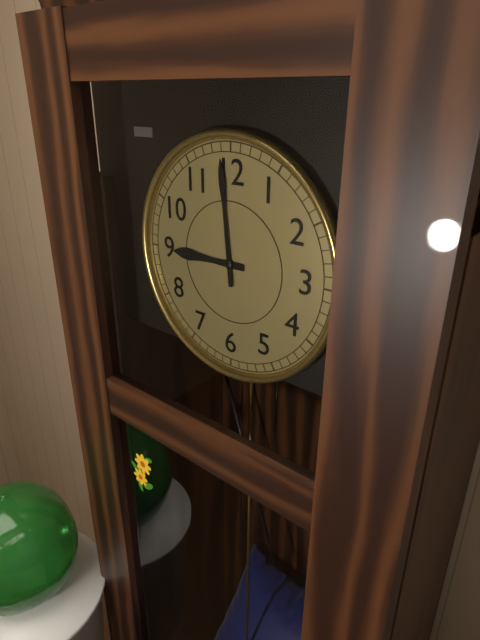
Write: 8h59
